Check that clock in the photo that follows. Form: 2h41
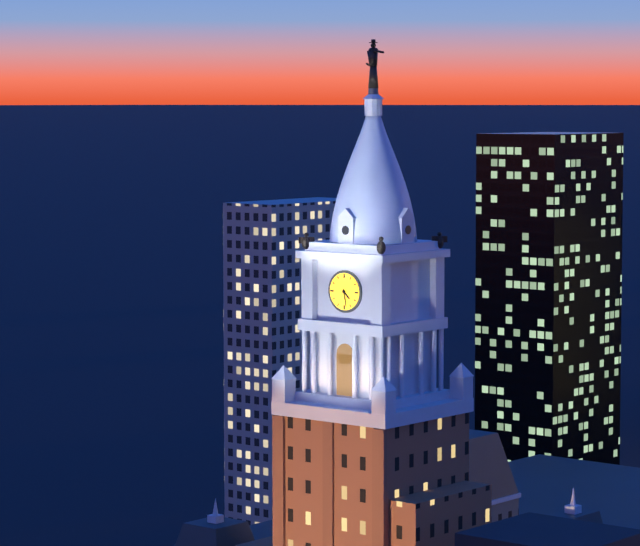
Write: 4h28
